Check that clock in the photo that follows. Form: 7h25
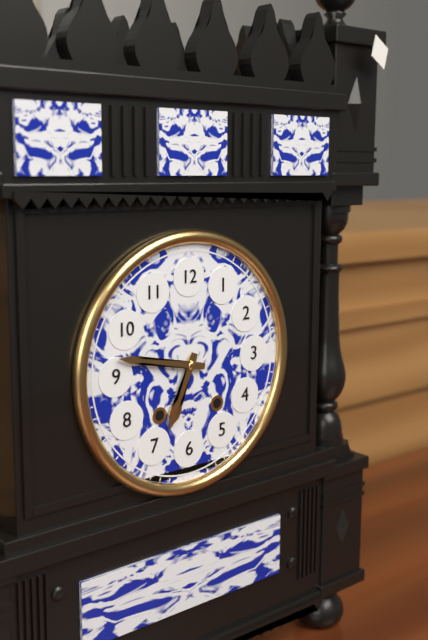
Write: 6h47
